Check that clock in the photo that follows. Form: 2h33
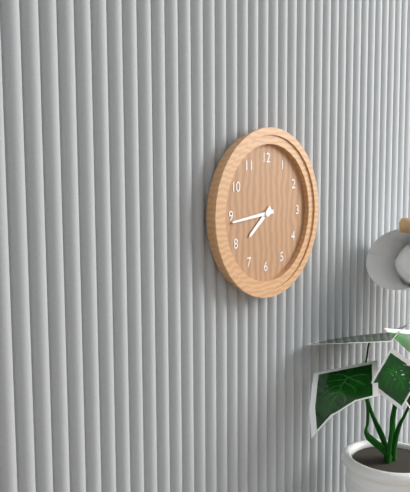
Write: 7h44
